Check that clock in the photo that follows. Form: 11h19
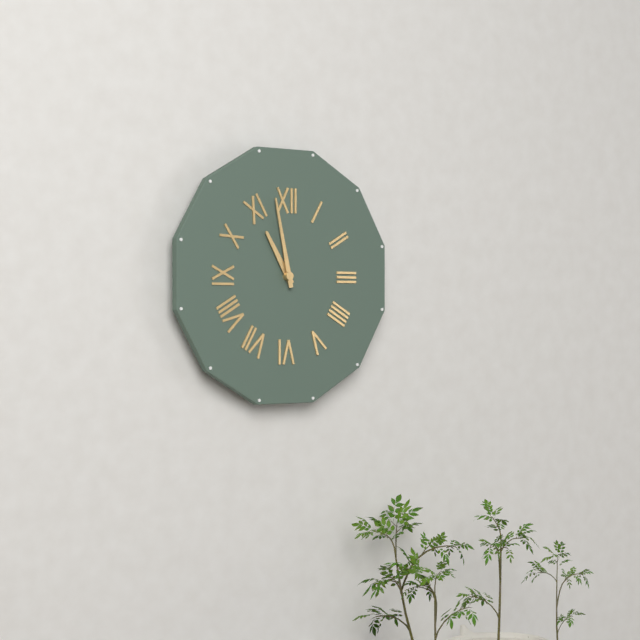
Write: 10h58
